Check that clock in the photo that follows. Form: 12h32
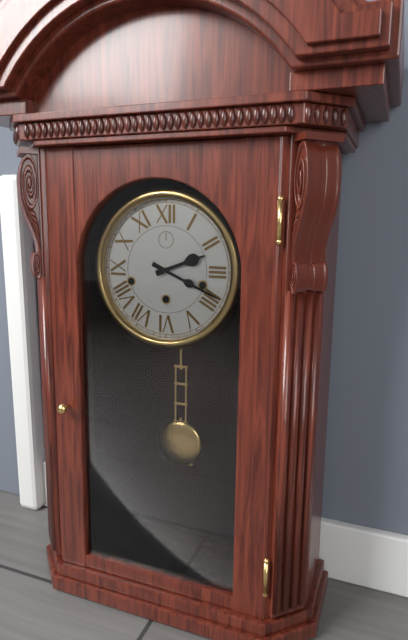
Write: 2h19
